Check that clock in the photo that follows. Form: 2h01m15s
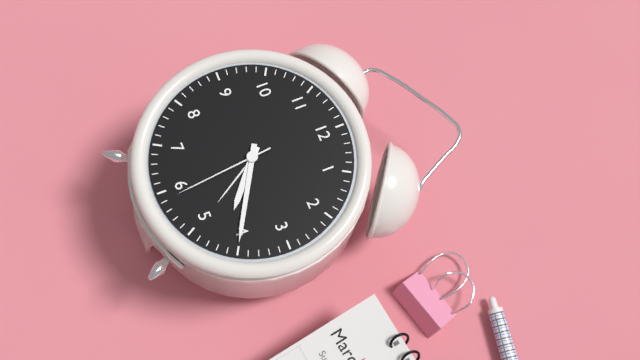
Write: 4h20m29s
